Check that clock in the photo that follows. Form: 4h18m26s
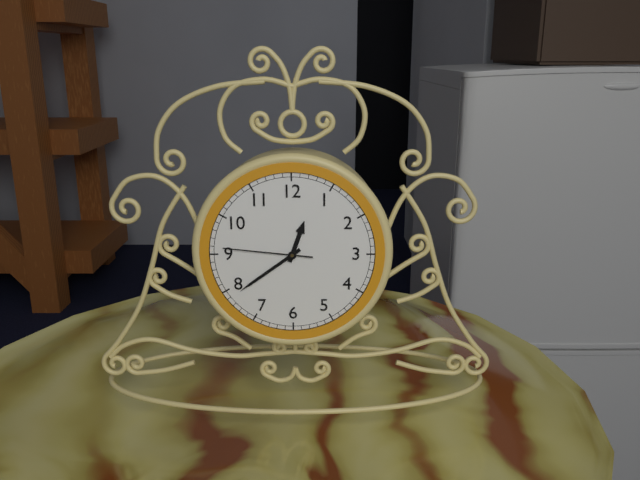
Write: 12h39m46s
